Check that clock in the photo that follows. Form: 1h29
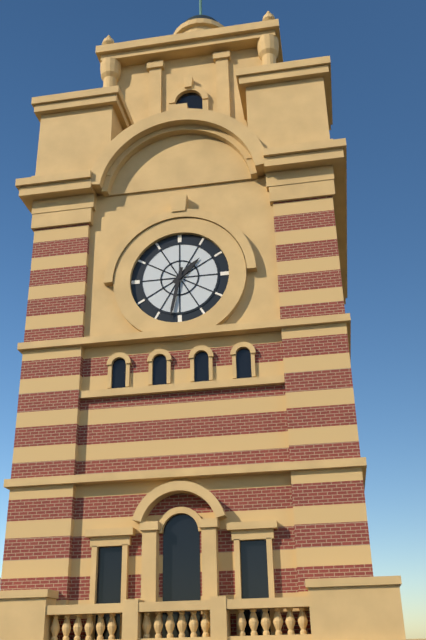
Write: 1h32
